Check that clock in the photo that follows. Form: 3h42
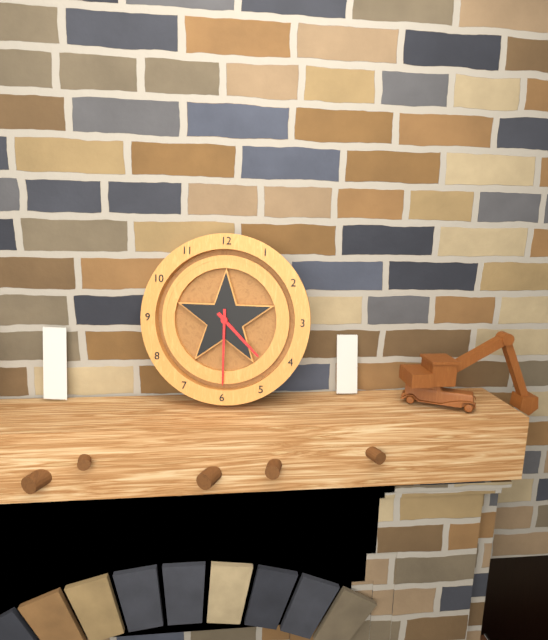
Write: 4h30
